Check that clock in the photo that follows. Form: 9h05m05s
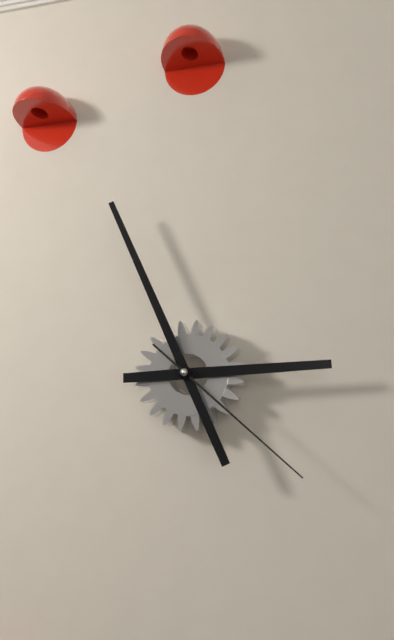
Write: 2h56m22s
